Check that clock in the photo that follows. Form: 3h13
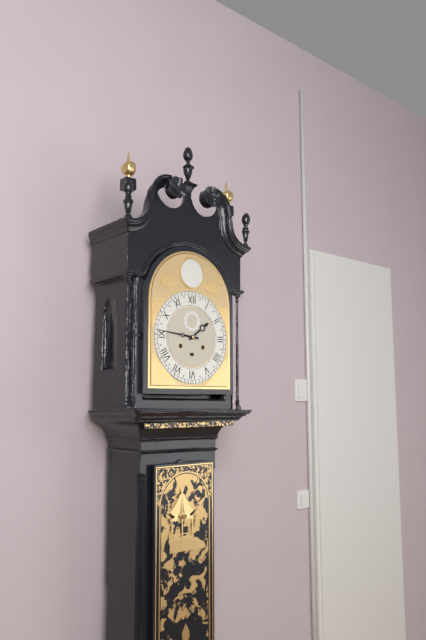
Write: 1h46
